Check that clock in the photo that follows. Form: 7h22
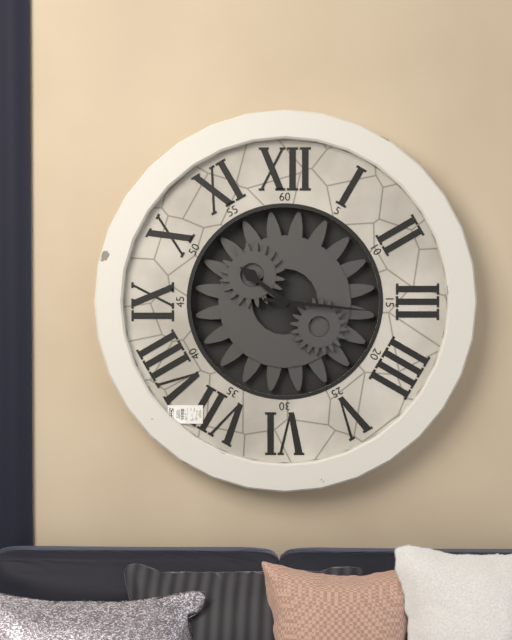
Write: 10h16
